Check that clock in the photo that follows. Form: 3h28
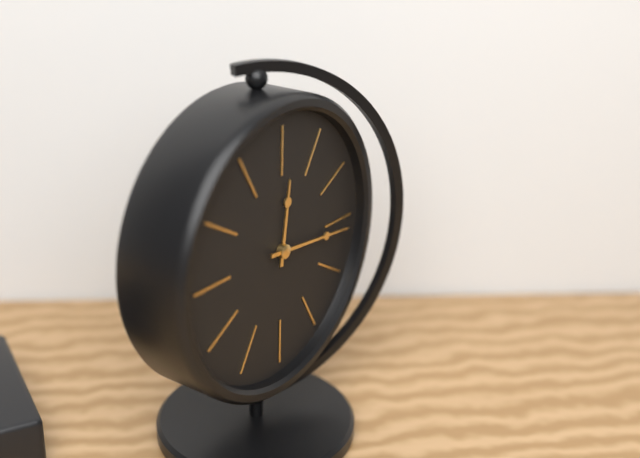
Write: 12h16
